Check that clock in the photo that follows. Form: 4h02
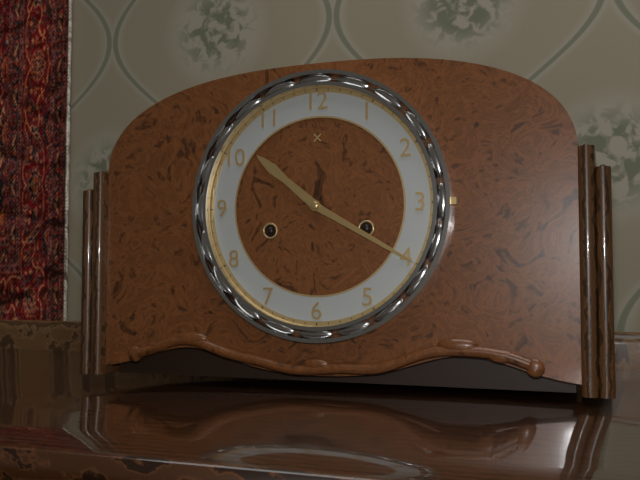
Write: 10h20
